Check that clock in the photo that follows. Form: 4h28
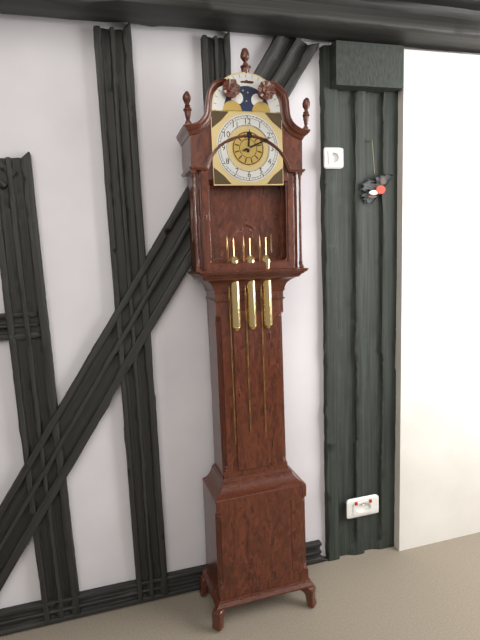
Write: 12h11
